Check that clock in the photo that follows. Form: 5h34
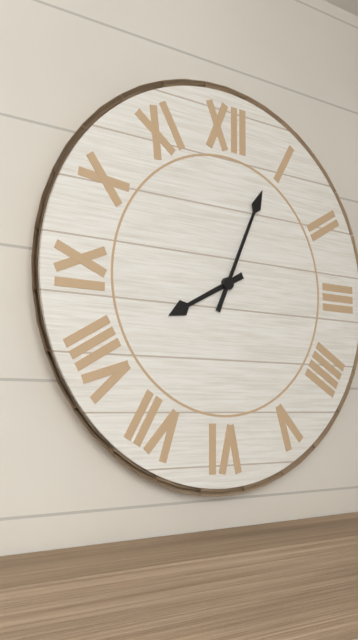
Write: 8h04
